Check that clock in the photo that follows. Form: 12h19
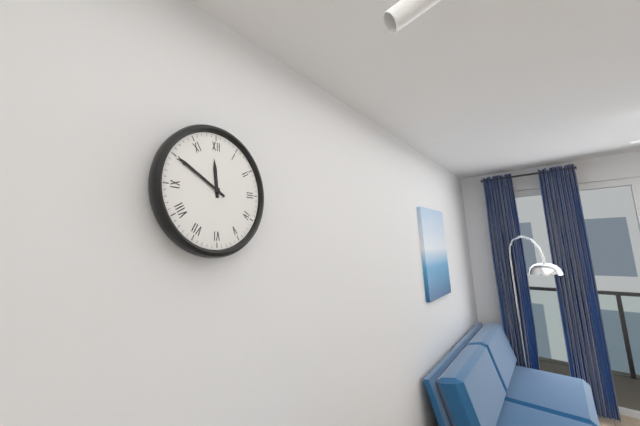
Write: 11h50
